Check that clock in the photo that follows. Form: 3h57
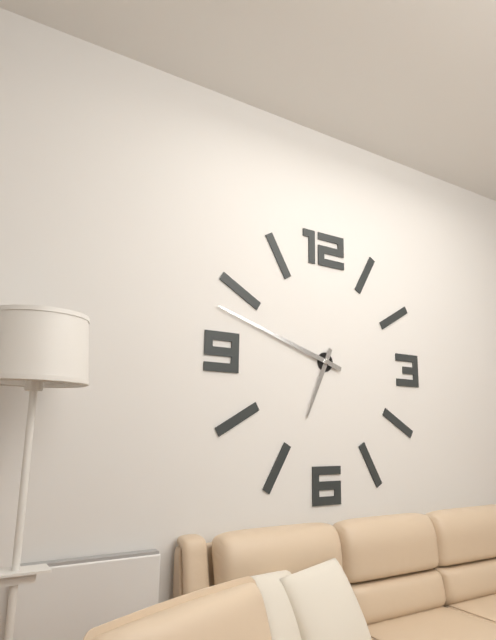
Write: 6h48
